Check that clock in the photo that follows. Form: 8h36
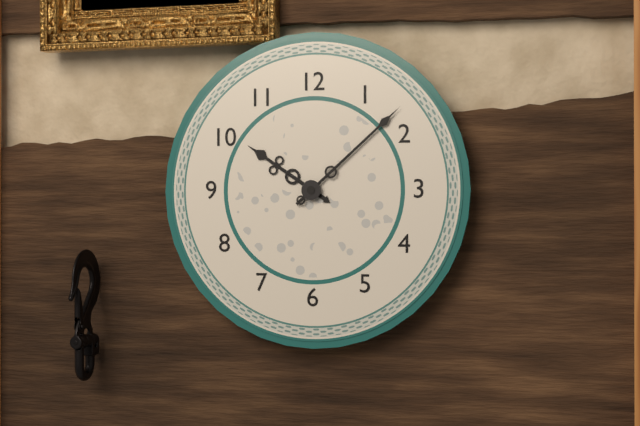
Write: 10h08
